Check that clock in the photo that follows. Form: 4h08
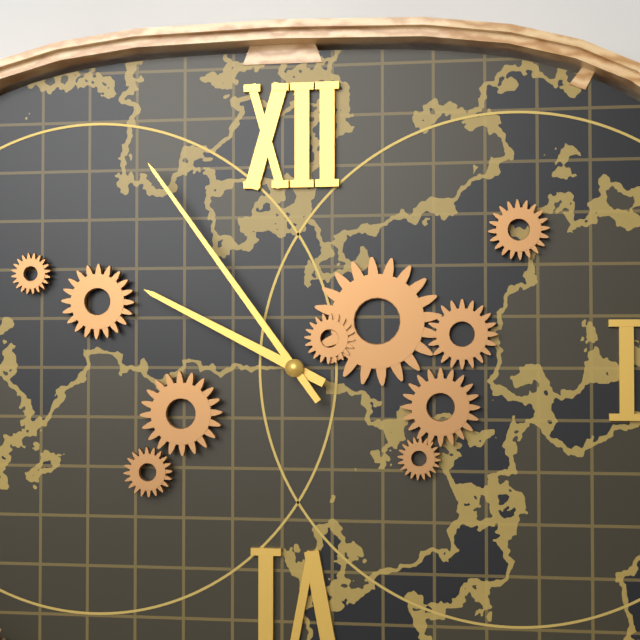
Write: 9h54
